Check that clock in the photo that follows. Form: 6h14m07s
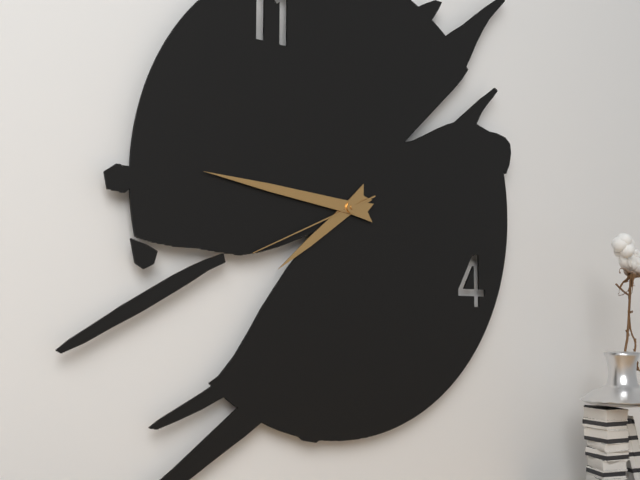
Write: 7h46m41s
